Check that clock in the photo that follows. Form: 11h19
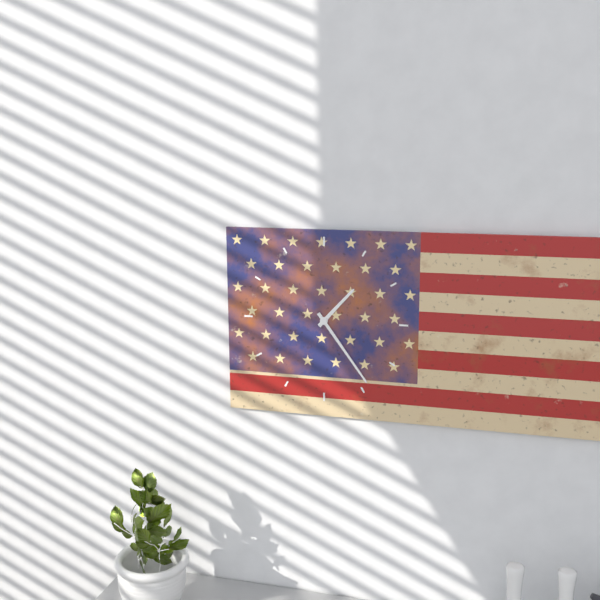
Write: 1h24
